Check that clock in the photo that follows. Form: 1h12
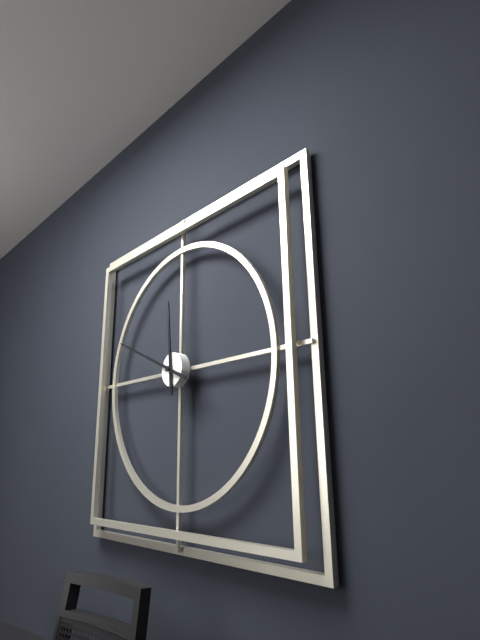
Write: 11h49
